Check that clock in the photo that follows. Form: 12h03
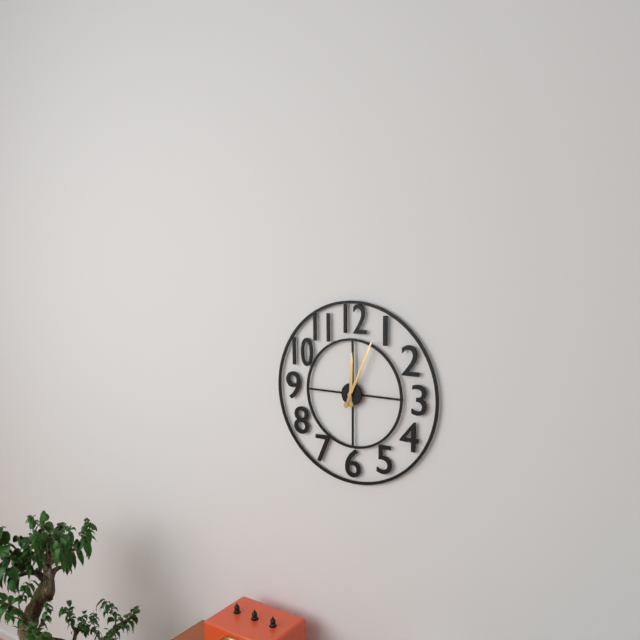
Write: 12h04
